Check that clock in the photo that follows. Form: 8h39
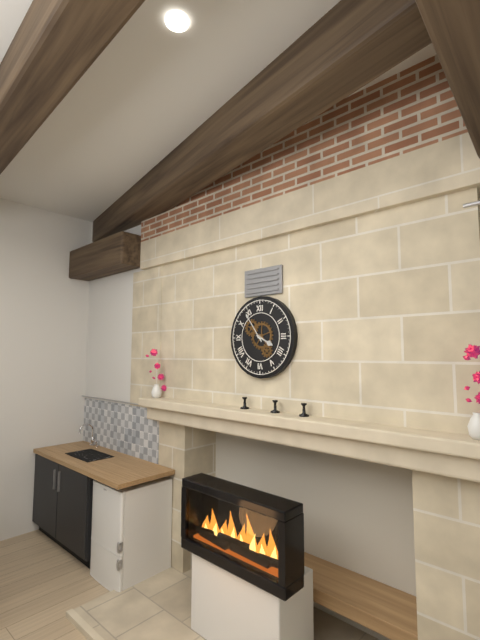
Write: 3h54
